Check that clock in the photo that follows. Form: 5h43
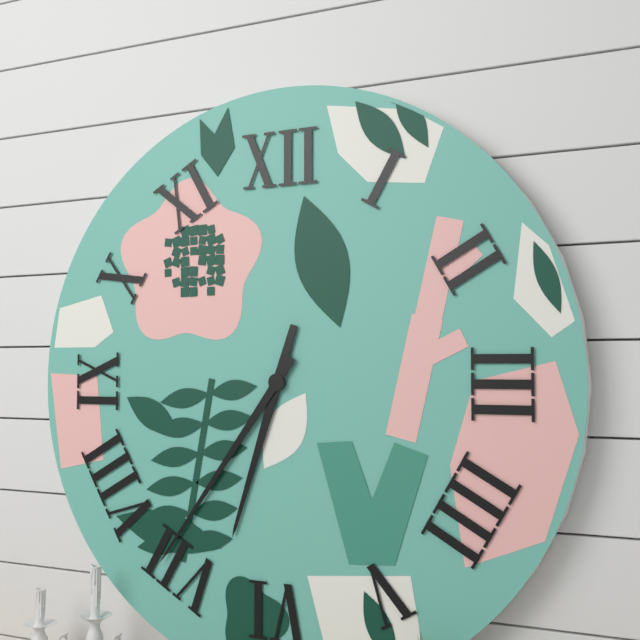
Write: 6h36
